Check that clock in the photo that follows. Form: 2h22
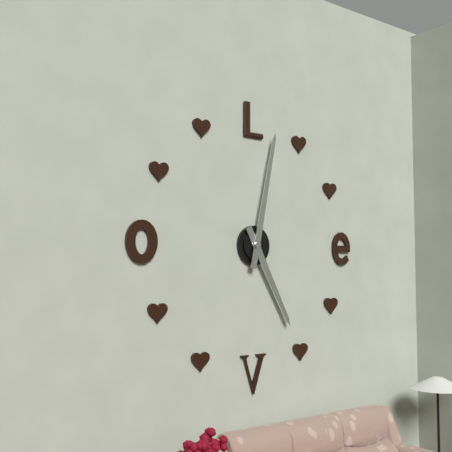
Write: 5h02
